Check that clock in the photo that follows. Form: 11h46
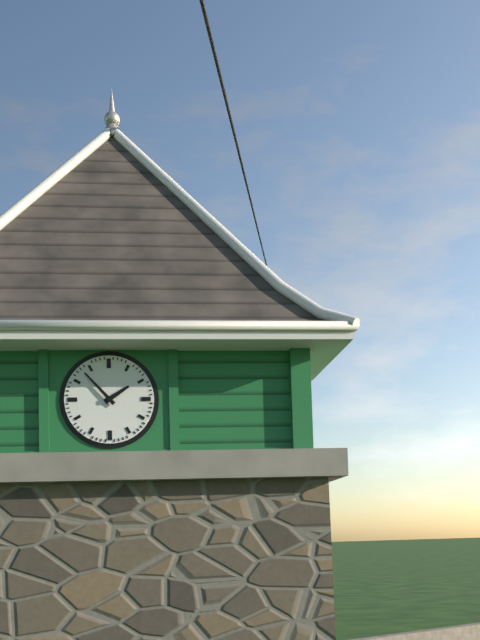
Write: 1h53
